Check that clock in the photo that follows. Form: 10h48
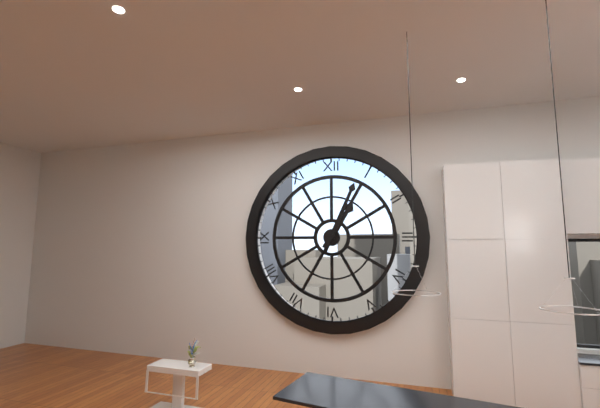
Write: 1h04
